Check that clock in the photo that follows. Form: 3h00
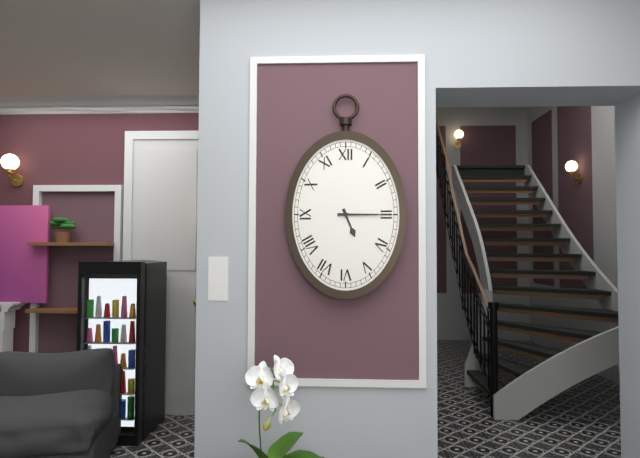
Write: 5h15
